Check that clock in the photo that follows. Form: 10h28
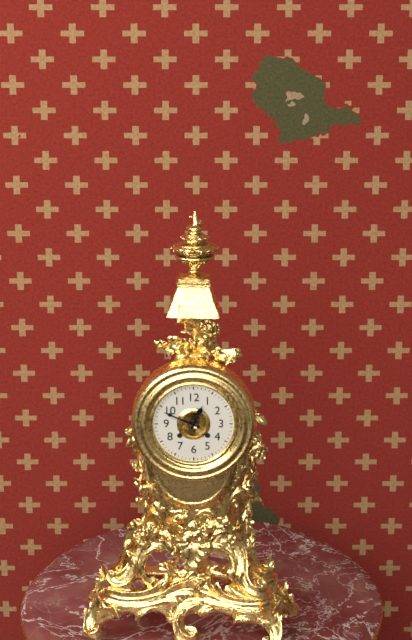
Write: 12h49
